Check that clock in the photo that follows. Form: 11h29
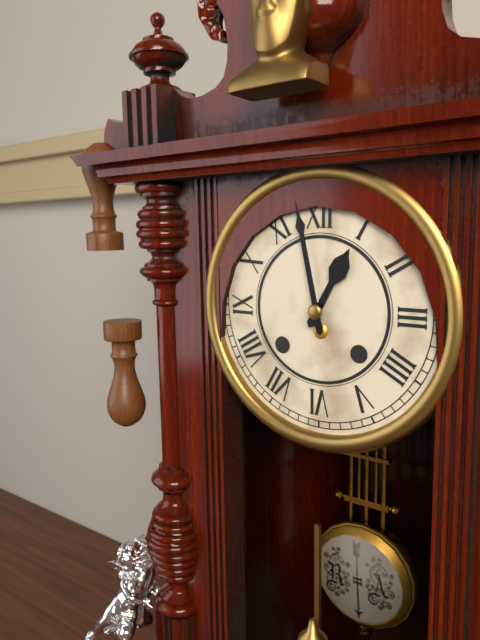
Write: 12h58
